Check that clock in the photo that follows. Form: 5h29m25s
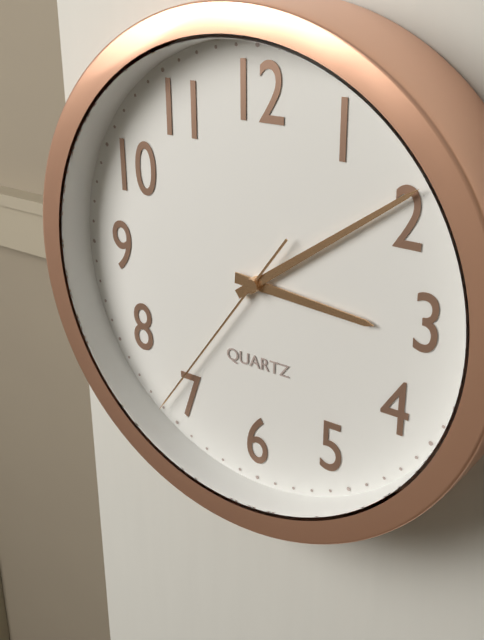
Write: 3h09m36s
